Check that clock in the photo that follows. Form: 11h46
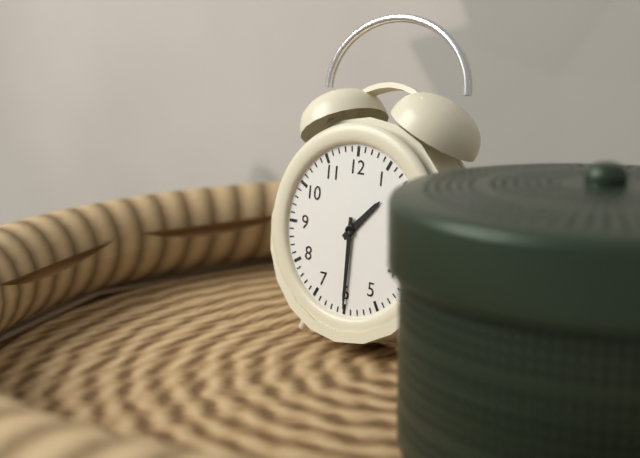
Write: 1h30
